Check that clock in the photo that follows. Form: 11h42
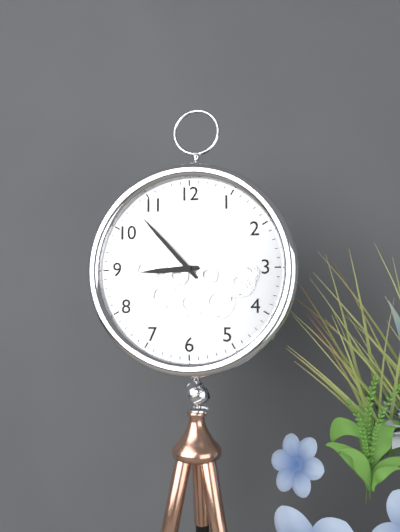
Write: 8h53
